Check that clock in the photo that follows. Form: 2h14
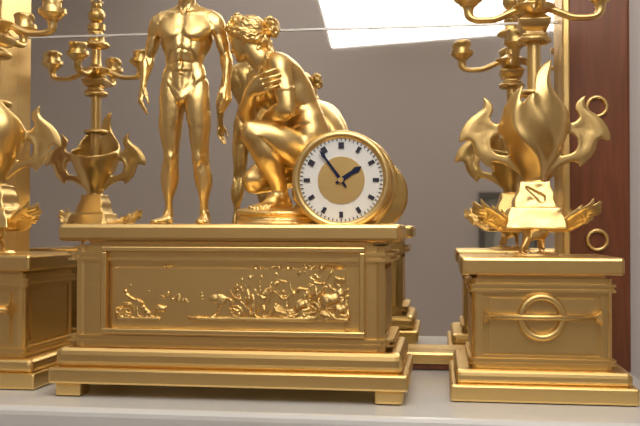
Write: 1h54
